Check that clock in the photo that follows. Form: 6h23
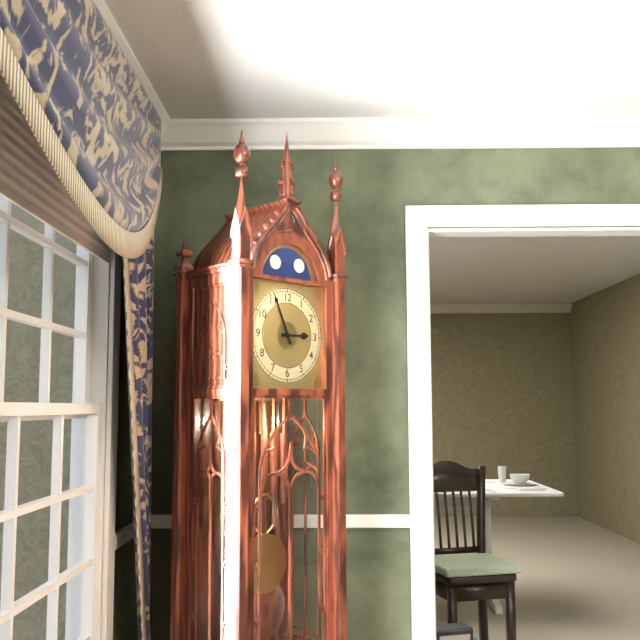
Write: 2h56
